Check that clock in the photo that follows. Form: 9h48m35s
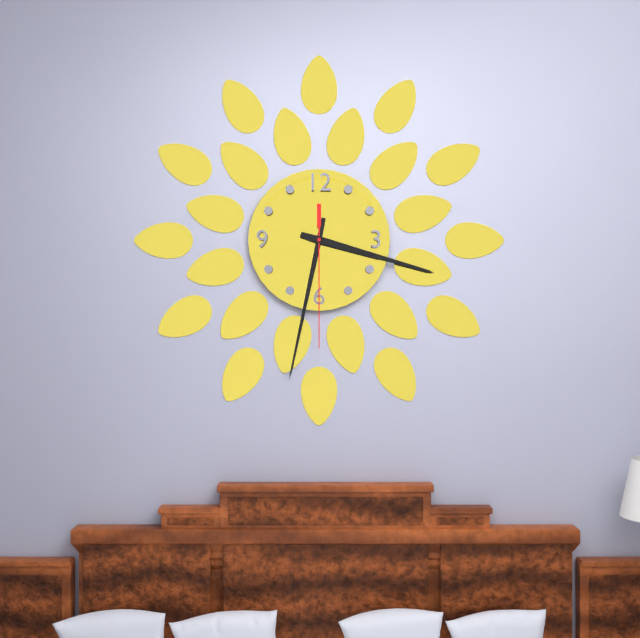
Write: 3h32m30s
